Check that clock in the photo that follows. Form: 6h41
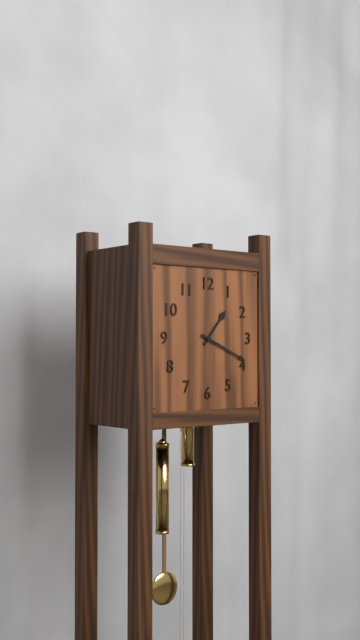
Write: 1h19
